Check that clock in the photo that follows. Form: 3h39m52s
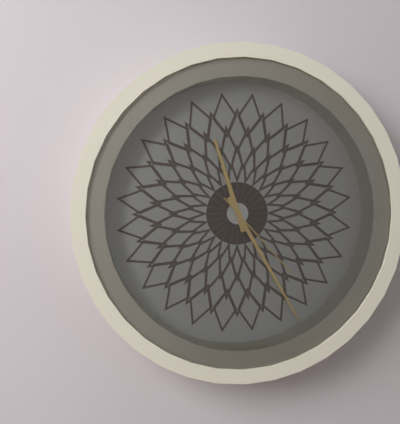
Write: 11h25m23s
